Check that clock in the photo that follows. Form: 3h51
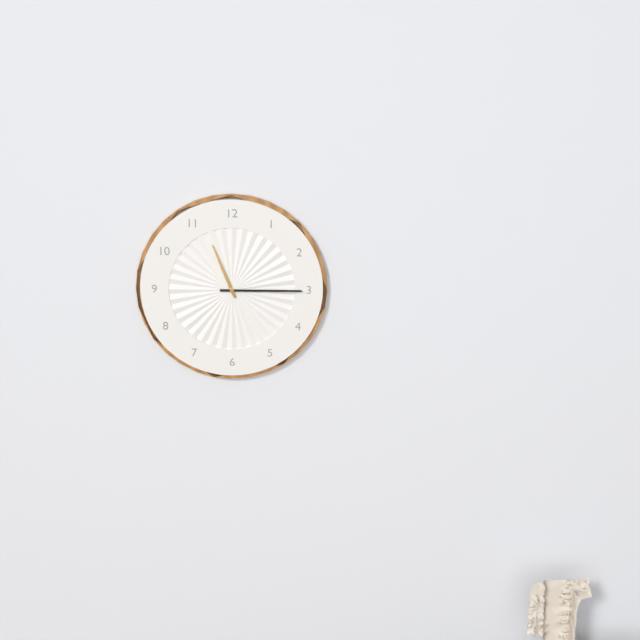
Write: 11h15
